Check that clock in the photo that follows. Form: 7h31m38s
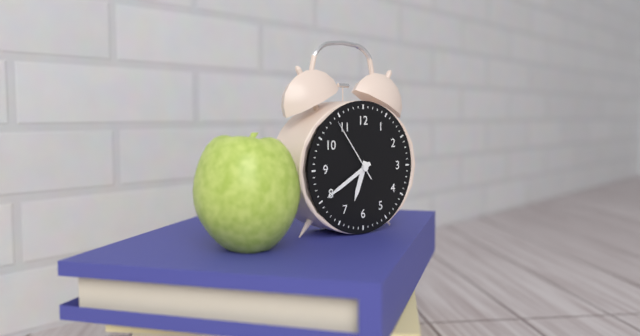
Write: 6h40m54s
